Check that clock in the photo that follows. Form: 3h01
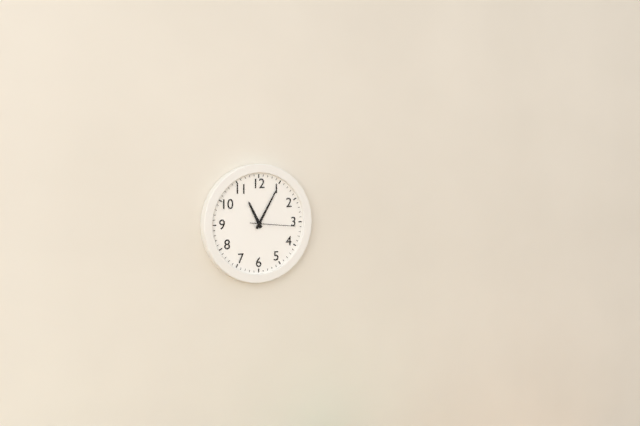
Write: 11h05
